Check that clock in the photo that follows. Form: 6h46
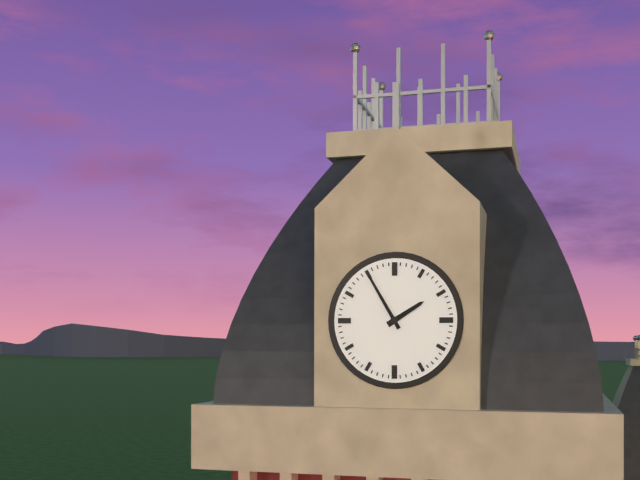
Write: 1h55
